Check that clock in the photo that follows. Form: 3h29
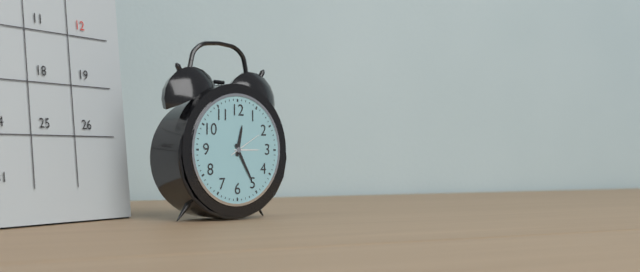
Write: 12h25
